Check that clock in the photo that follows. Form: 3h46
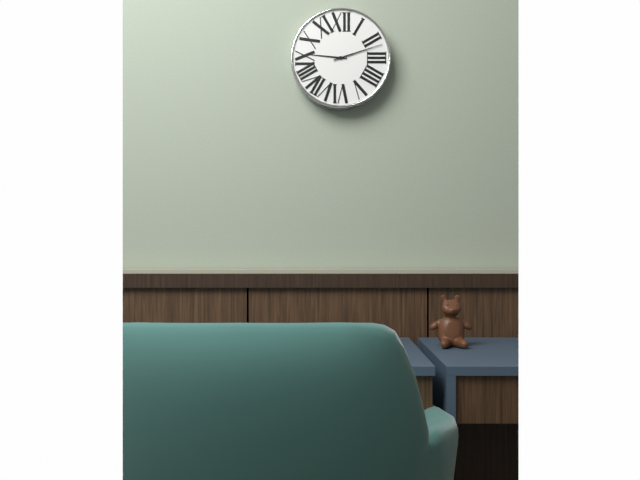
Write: 9h12
